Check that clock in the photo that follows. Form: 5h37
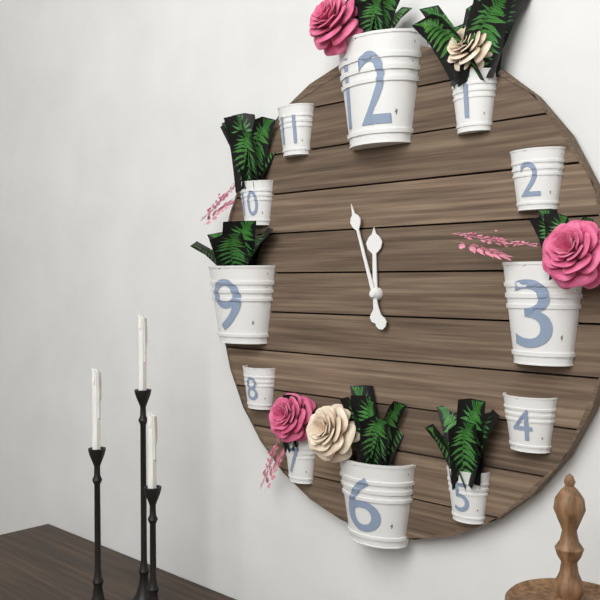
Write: 11h57
